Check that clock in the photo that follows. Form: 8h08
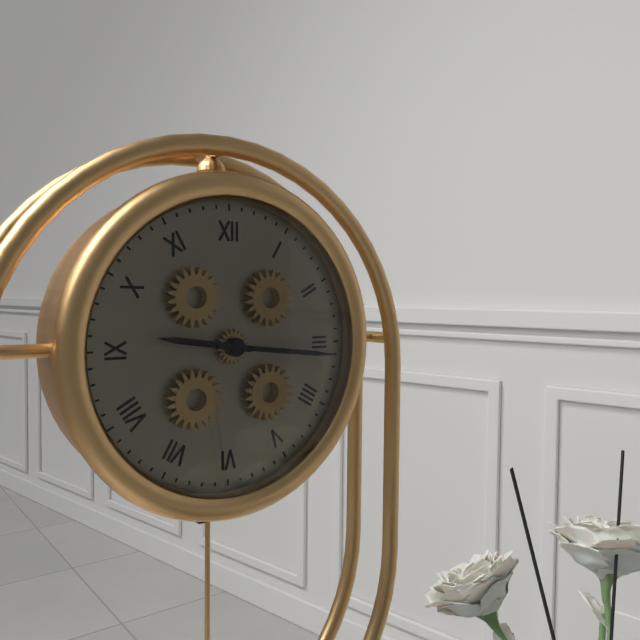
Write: 9h16
